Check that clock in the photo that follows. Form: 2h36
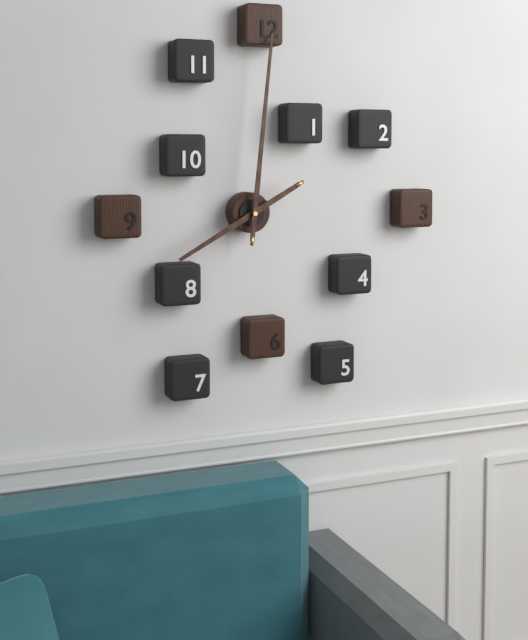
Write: 8h01
